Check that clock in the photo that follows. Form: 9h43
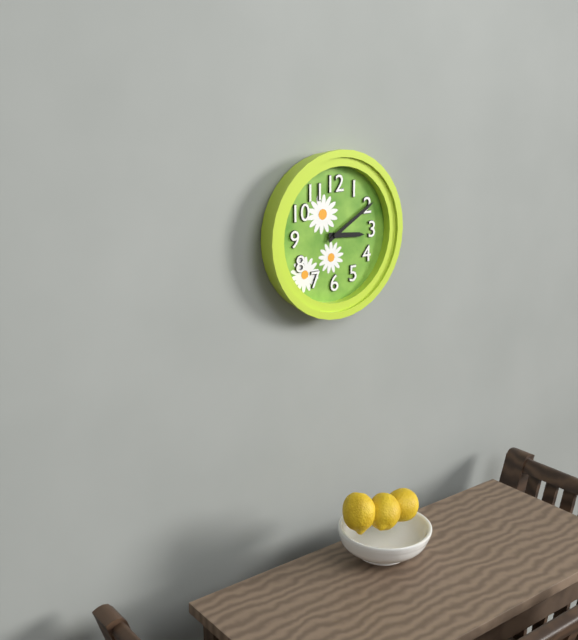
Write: 3h10
